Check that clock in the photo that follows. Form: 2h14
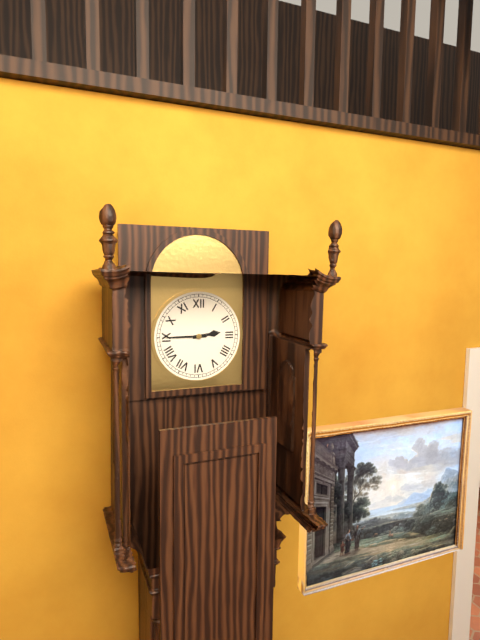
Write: 2h45
